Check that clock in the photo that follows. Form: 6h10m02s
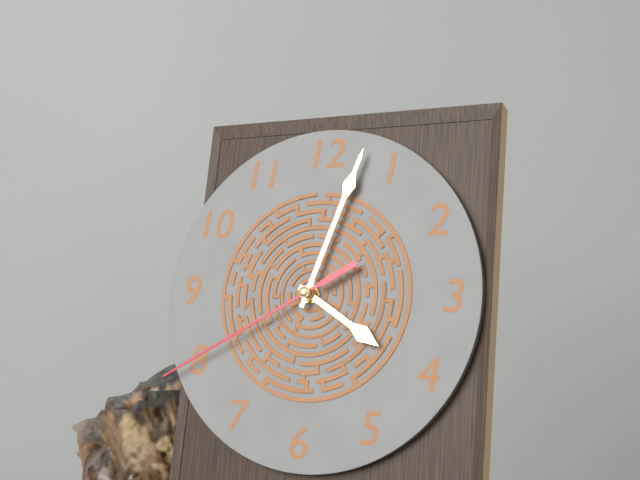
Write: 4h03m40s
